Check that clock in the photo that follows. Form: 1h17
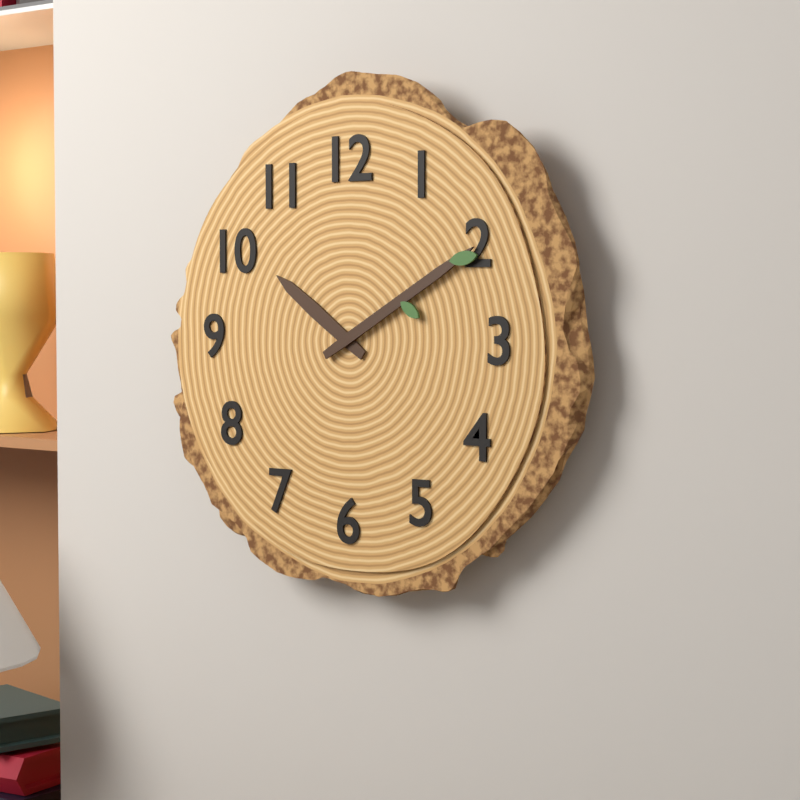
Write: 10h10
